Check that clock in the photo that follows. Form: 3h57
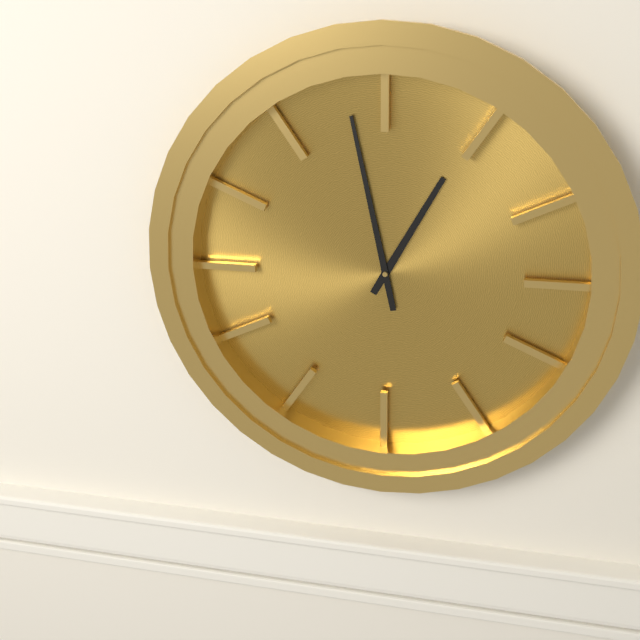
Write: 12h58
